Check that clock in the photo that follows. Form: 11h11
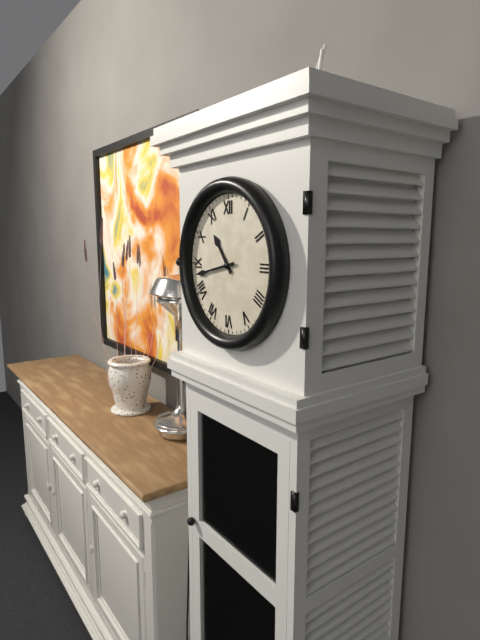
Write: 10h43
